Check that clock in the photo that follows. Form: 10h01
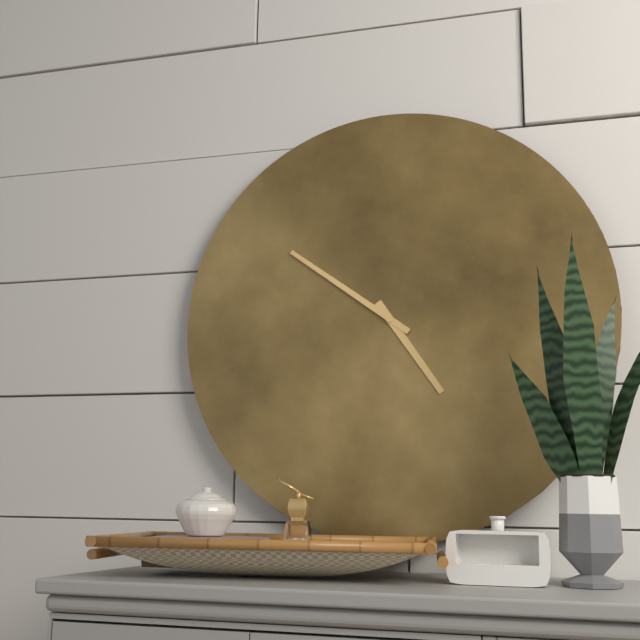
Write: 4h51
